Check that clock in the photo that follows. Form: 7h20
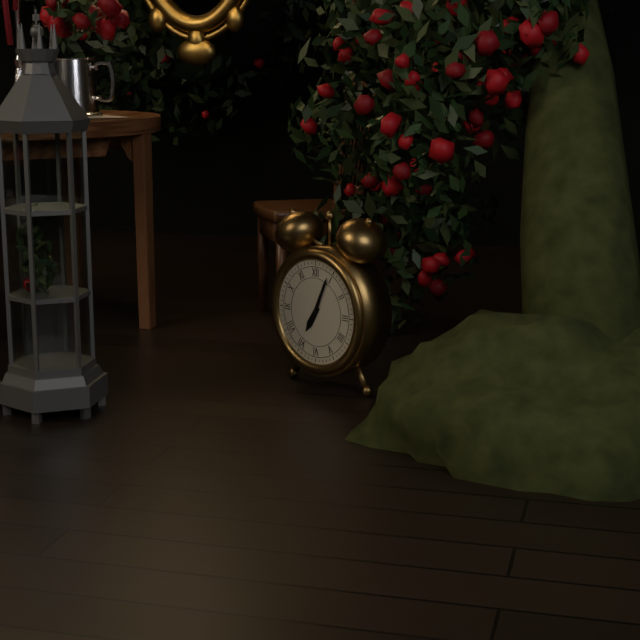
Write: 7h04
